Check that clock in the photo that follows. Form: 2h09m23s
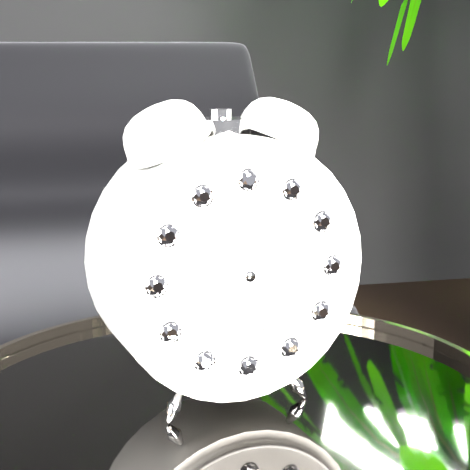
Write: 10h27m34s
